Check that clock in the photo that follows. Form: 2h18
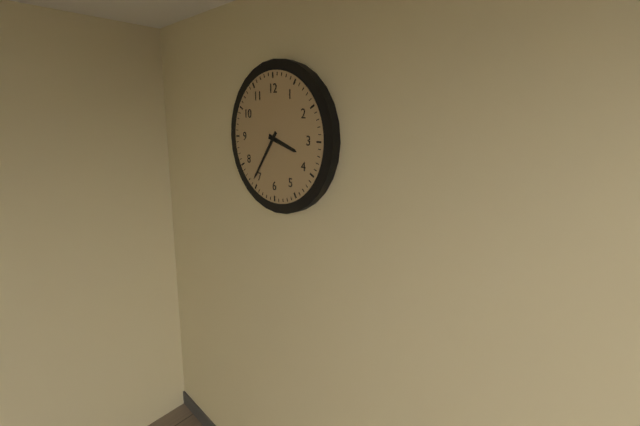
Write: 3h36
